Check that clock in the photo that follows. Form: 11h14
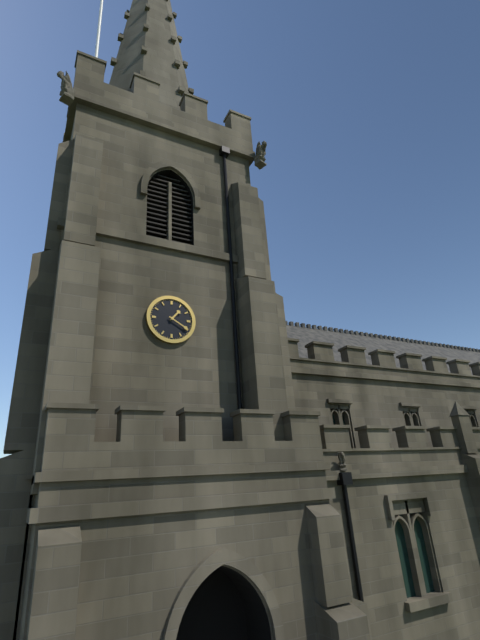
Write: 1h20
